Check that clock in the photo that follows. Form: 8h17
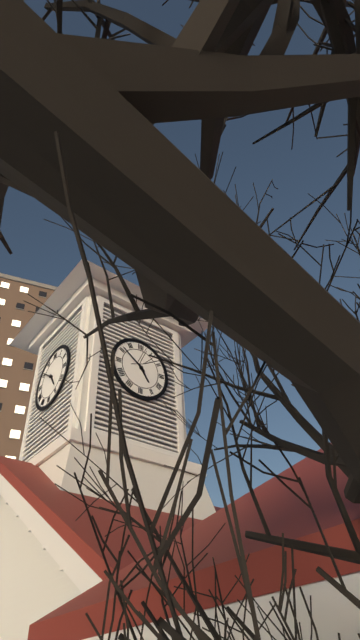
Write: 4h51
